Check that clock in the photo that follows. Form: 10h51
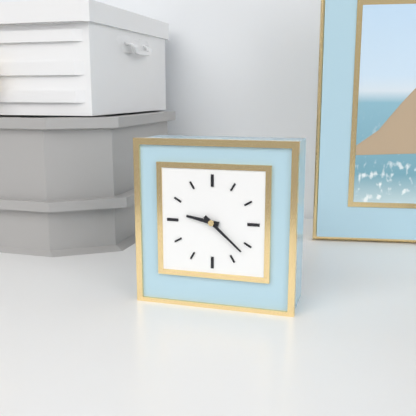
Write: 9h22
